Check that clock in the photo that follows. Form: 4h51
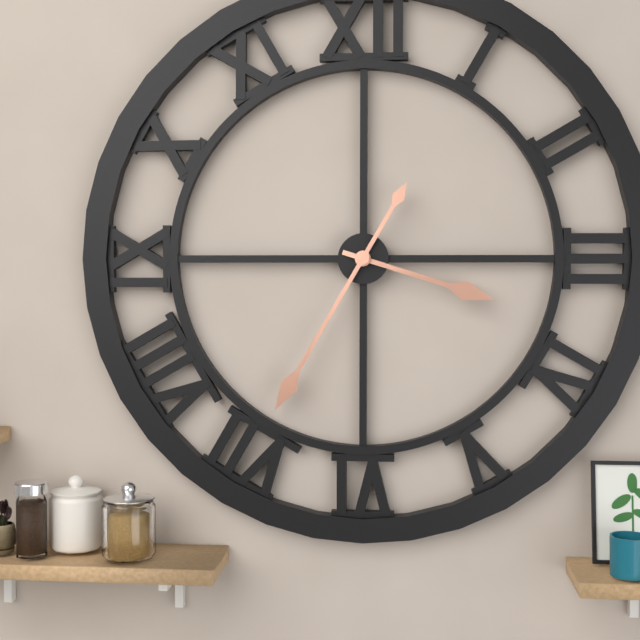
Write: 3h35
